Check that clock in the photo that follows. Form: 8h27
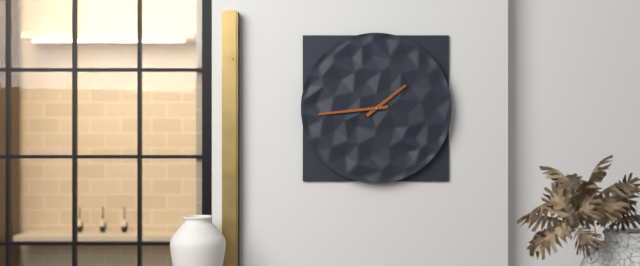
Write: 1h44
